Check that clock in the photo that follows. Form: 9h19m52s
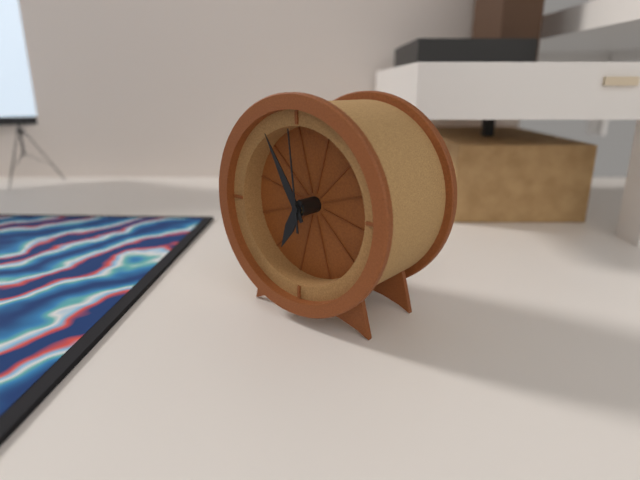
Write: 6h55m59s
